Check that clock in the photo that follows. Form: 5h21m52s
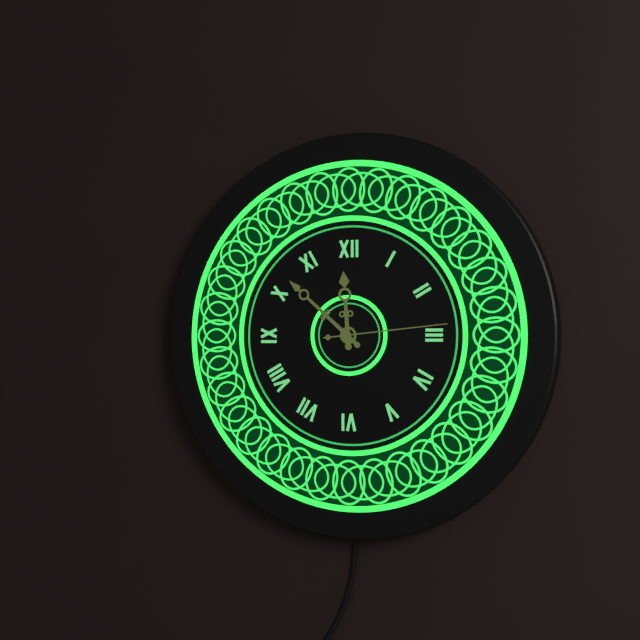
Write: 11h52m14s
